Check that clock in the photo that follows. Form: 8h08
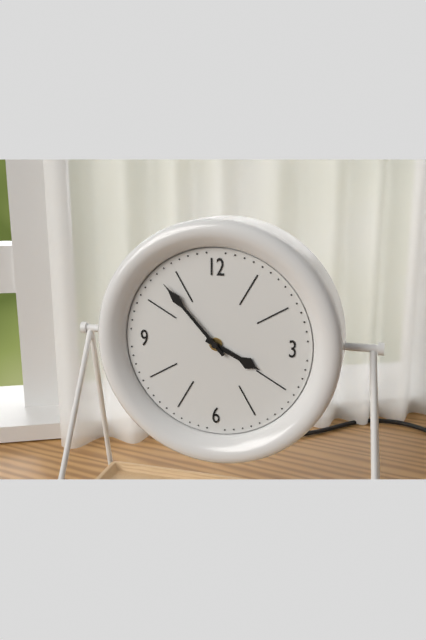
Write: 3h53
